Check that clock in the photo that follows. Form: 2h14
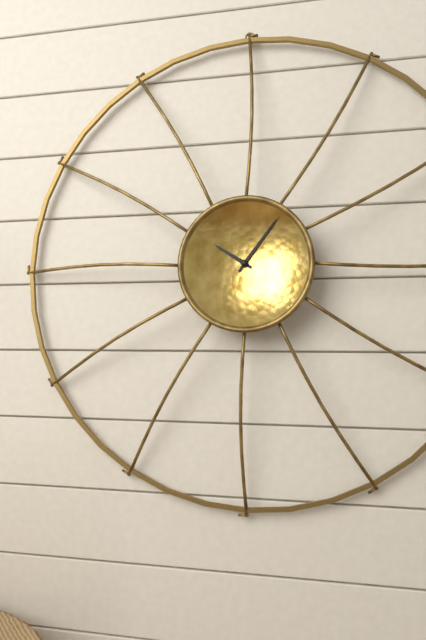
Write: 10h06
